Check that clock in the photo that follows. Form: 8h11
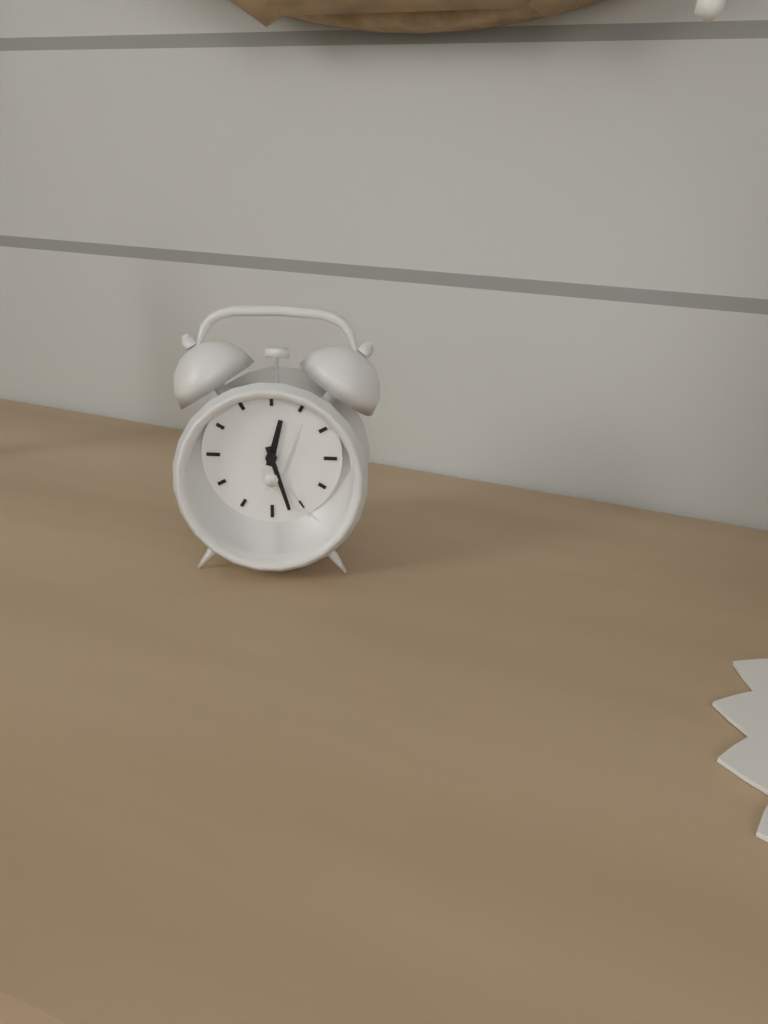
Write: 12h27
